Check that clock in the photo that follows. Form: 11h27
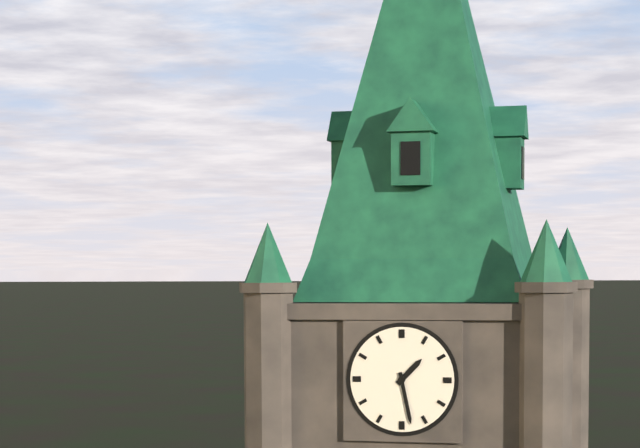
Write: 1h28
